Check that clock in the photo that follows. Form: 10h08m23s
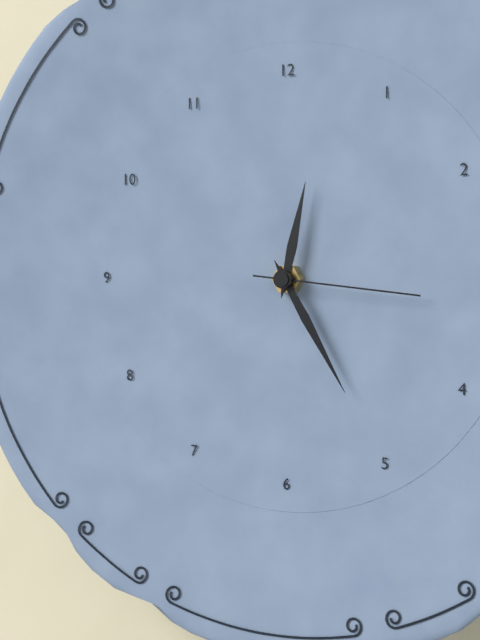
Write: 12h25m16s
